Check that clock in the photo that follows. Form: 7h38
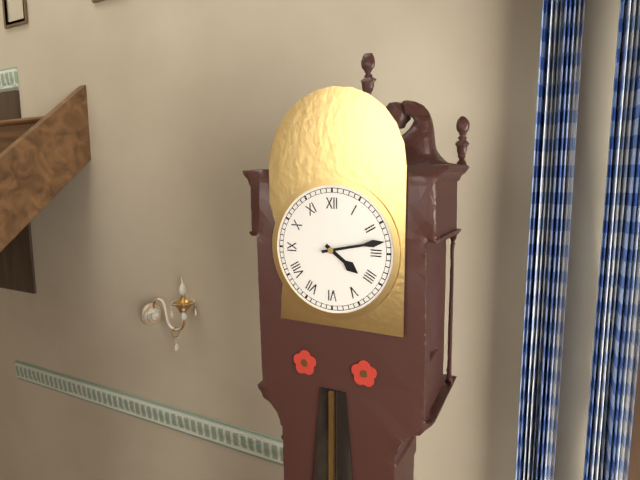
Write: 4h13
